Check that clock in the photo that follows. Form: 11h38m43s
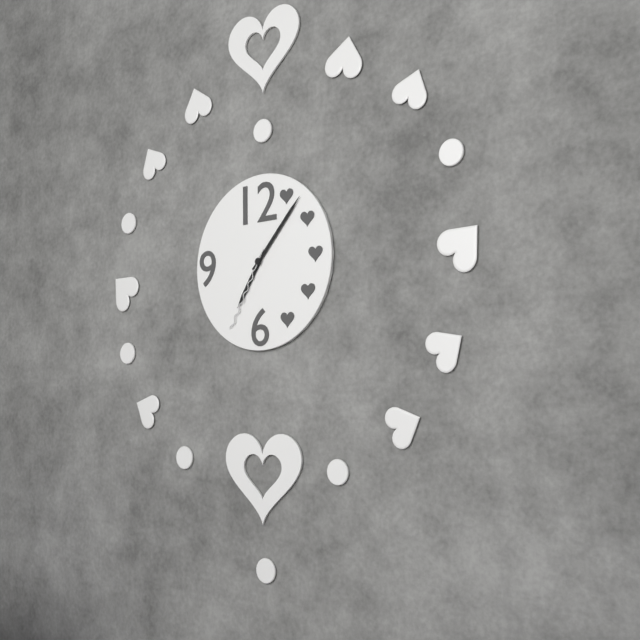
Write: 7h07m35s
